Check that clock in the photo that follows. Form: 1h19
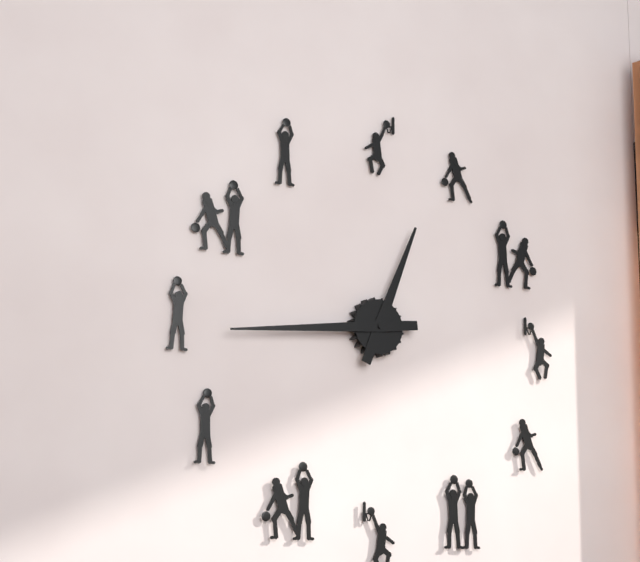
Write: 12h44
